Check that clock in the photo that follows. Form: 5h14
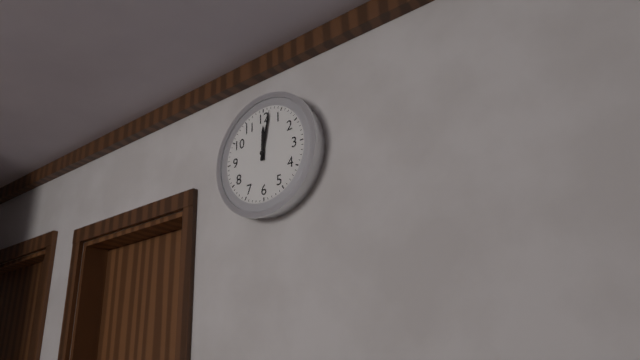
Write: 12h02
